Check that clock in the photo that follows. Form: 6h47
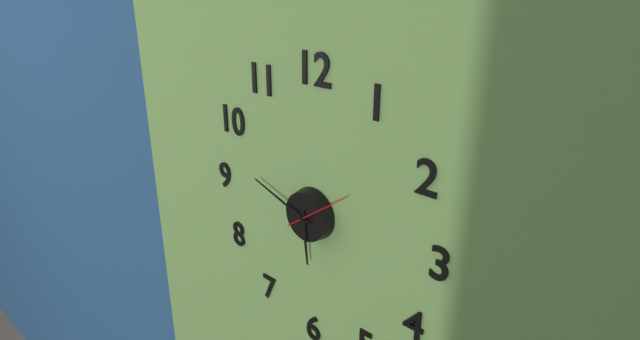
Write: 5h48
